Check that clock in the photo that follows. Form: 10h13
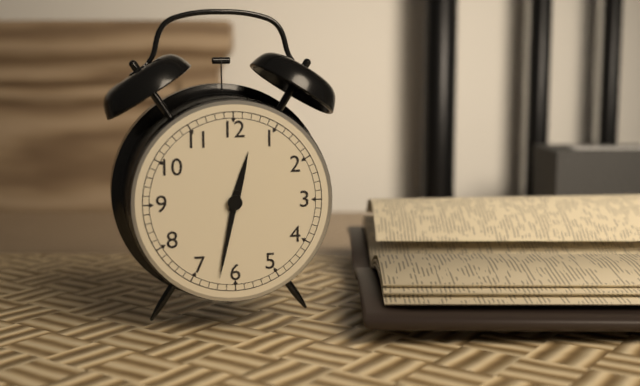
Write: 12h32
